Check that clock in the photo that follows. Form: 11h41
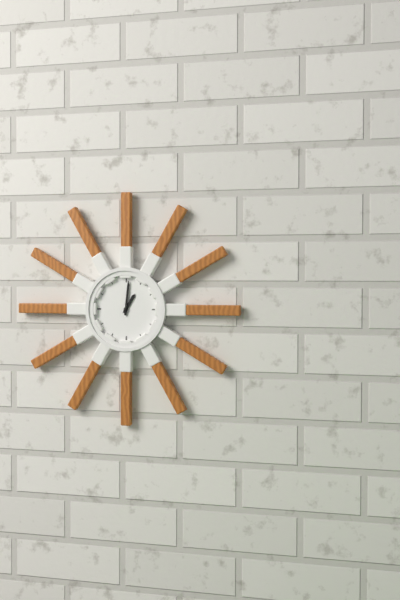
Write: 1h01
